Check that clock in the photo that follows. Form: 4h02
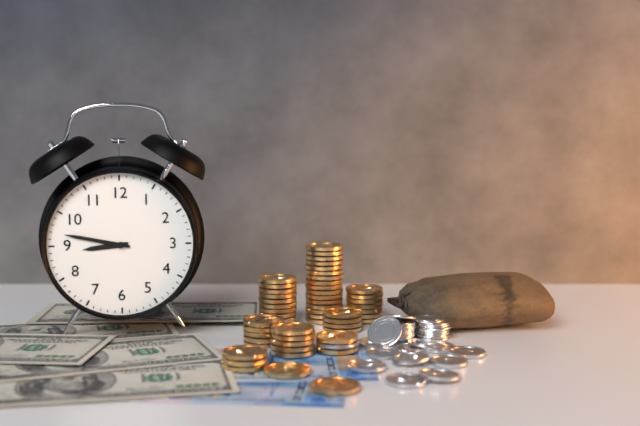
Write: 8h47
